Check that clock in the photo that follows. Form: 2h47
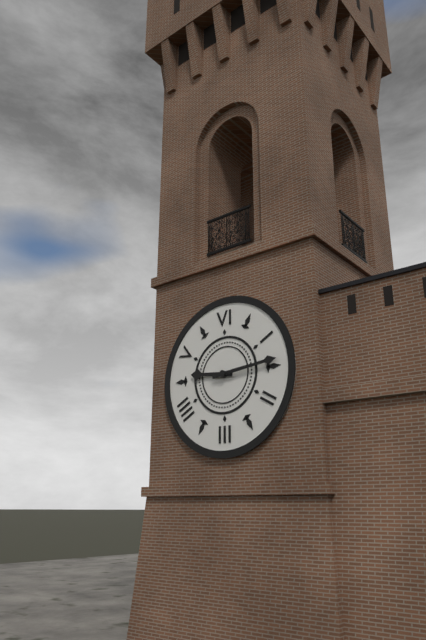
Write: 9h14
